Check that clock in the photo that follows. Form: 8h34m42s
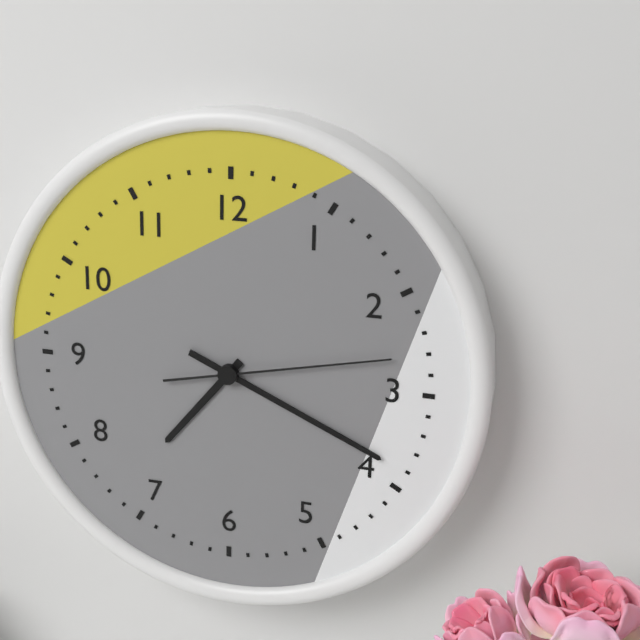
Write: 7h19m13s
